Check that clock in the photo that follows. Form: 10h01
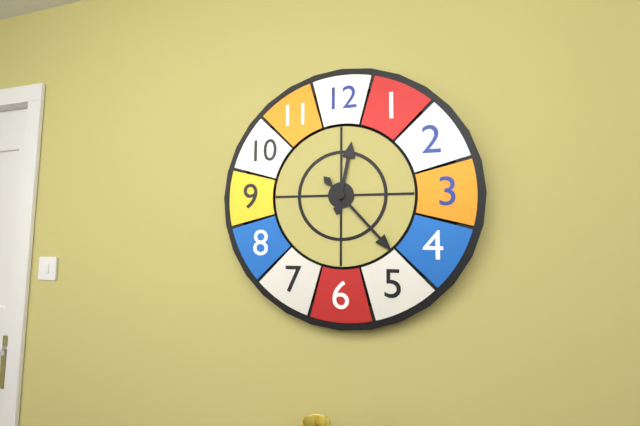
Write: 12h23
